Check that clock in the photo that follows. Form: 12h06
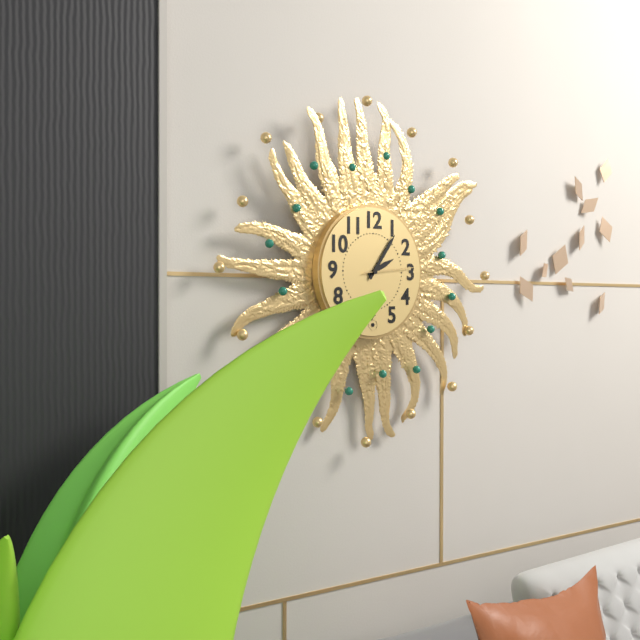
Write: 2h06
